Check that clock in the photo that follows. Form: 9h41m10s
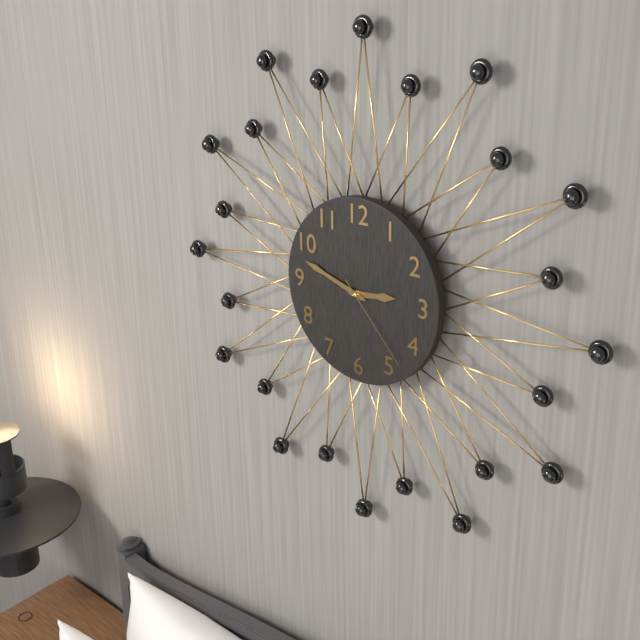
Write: 2h48m23s
